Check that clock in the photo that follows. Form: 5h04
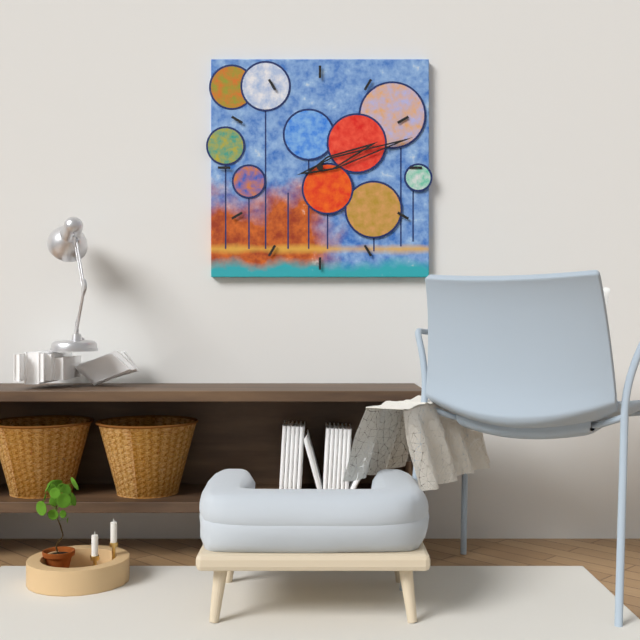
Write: 2h12
